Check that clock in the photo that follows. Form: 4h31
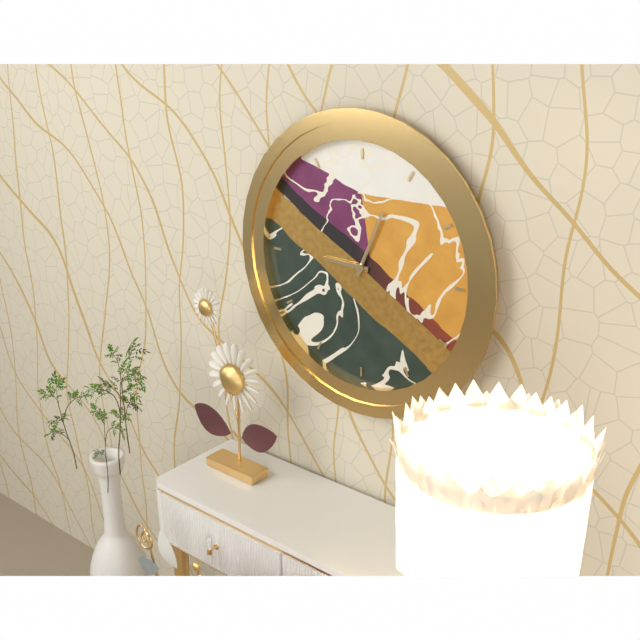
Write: 9h04
